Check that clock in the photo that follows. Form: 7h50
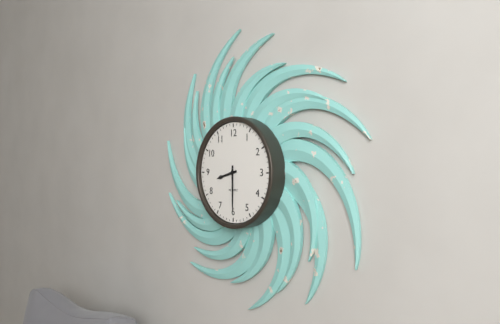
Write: 8h30
